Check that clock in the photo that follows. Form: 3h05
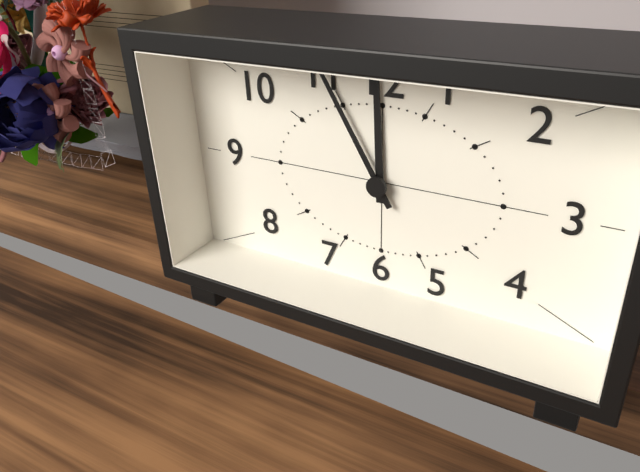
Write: 11h55
